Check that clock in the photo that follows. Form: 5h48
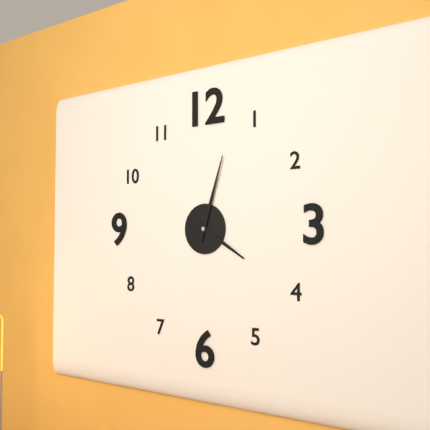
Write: 4h03
